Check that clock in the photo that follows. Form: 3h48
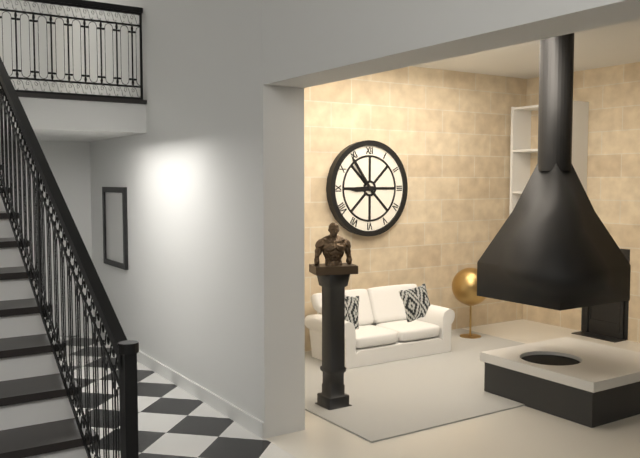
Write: 8h54
